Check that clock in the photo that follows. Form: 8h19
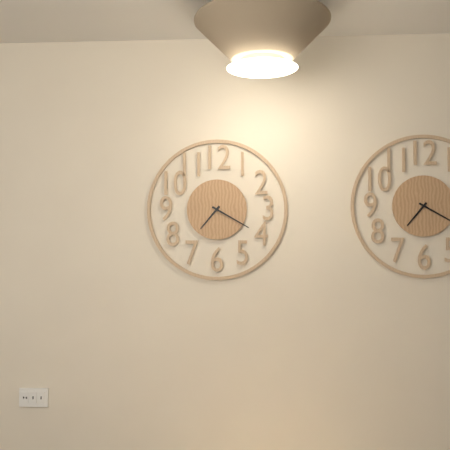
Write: 7h20
